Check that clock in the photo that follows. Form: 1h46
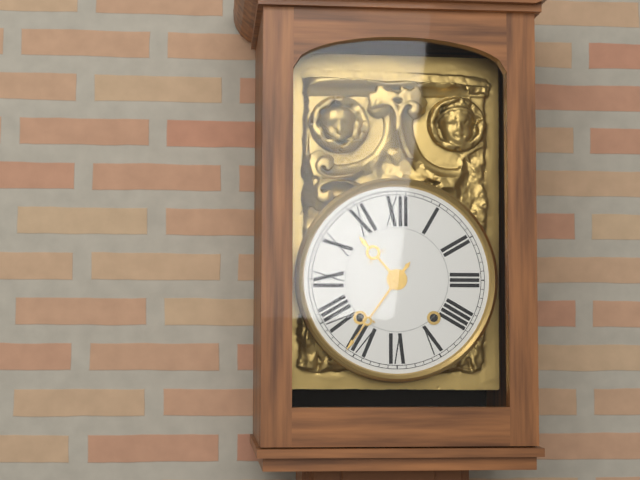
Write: 10h36
